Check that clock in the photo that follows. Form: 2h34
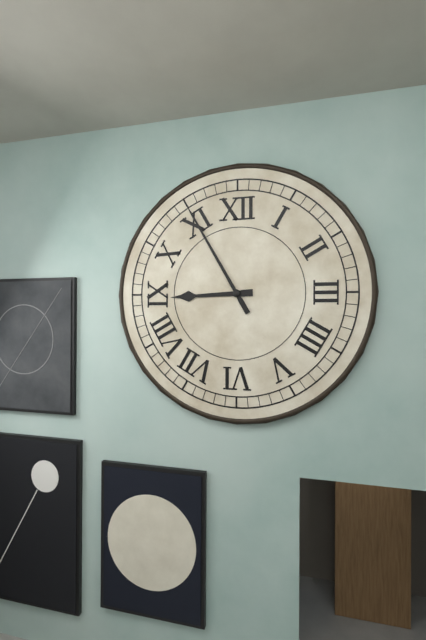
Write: 8h55
